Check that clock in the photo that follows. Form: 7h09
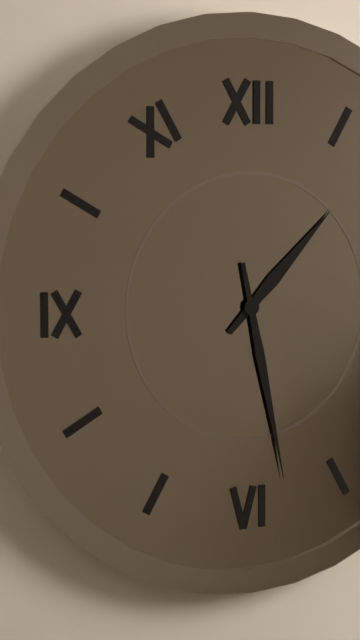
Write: 1h28
